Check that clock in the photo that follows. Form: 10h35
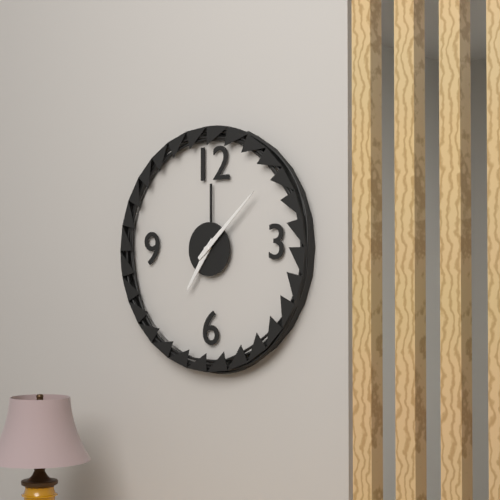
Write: 7h08
